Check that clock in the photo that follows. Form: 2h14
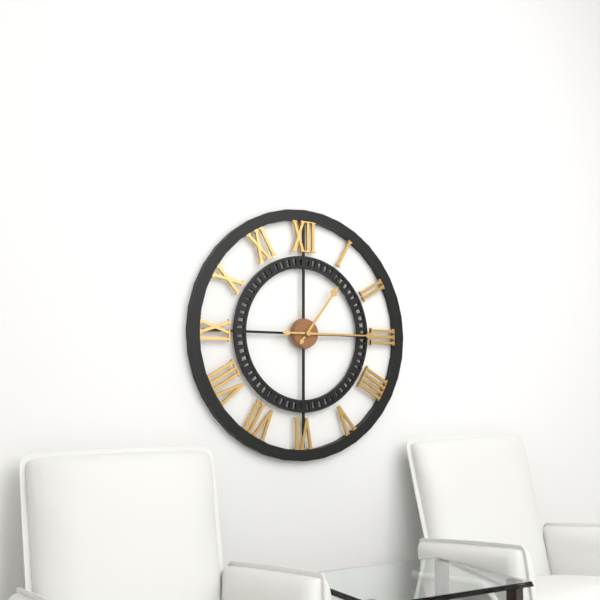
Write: 1h15
